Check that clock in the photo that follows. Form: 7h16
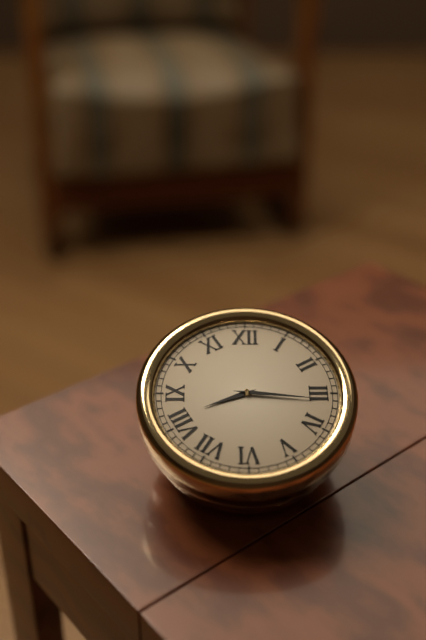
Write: 8h16
